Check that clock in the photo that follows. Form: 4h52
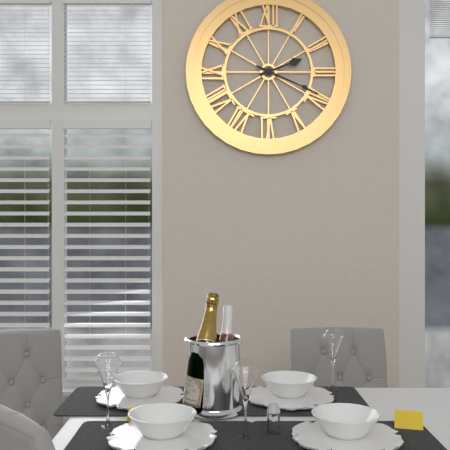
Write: 2h19
